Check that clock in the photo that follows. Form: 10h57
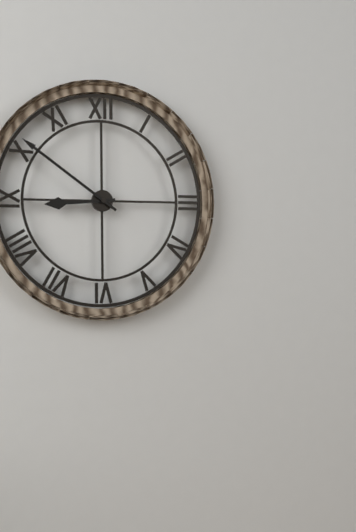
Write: 8h51
